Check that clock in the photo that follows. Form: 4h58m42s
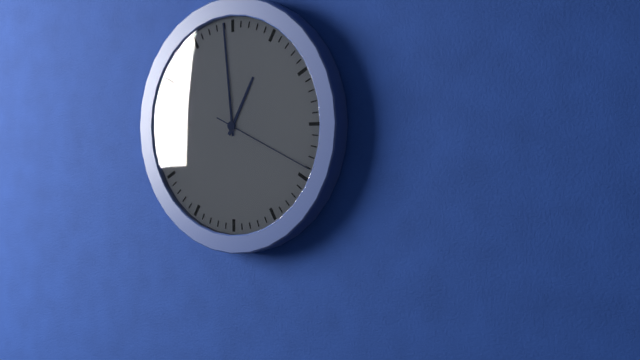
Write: 12h59m19s
